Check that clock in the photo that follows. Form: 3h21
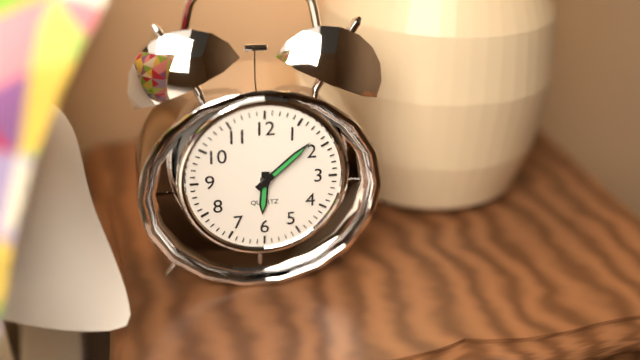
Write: 6h08
